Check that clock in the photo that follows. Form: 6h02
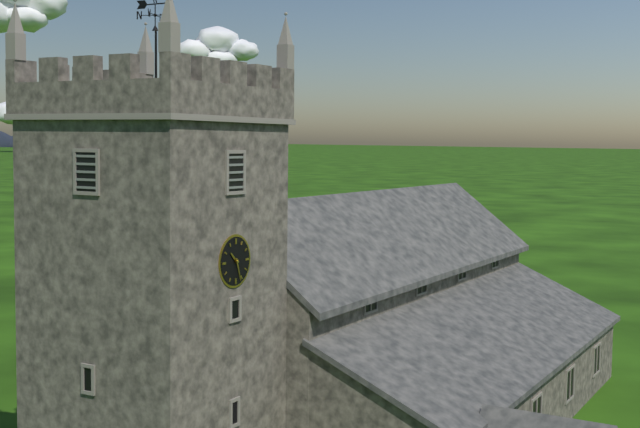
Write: 10h27
